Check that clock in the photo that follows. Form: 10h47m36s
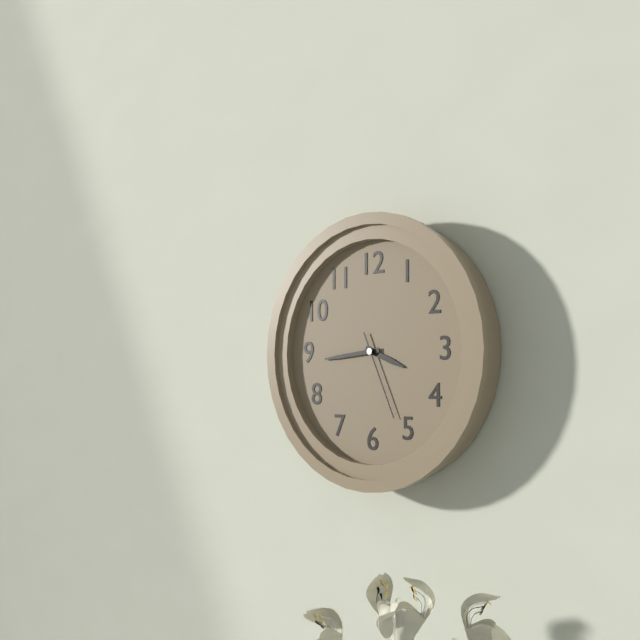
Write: 3h44m26s
